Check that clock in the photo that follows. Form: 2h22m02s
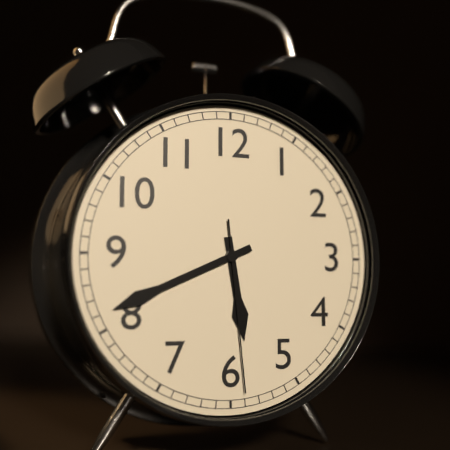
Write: 5h41m29s
